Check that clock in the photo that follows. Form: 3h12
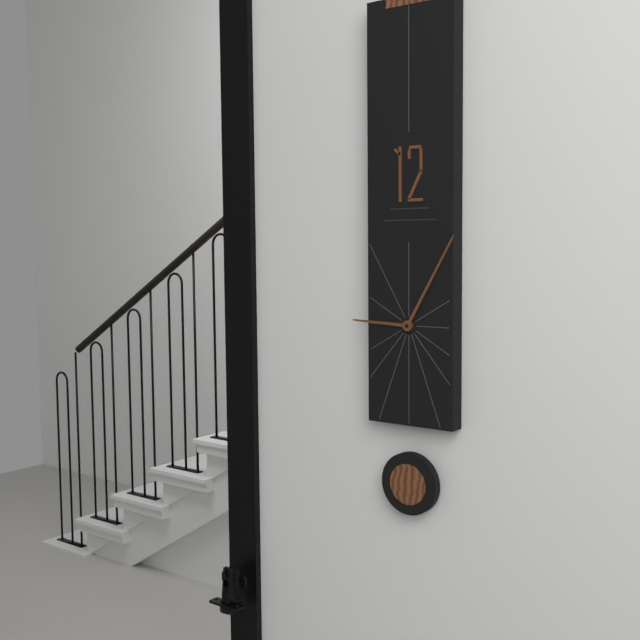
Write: 9h05
